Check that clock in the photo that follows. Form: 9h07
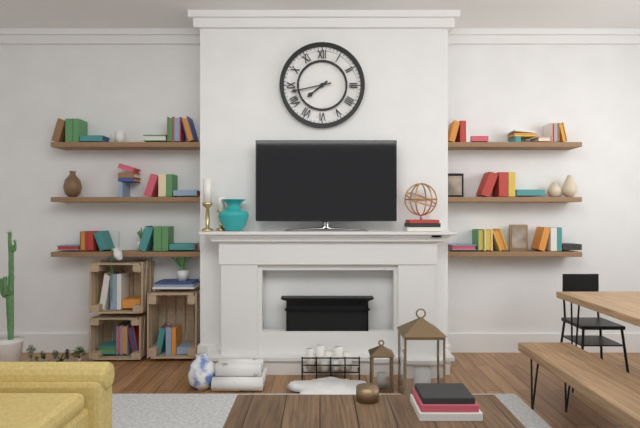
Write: 7h43
